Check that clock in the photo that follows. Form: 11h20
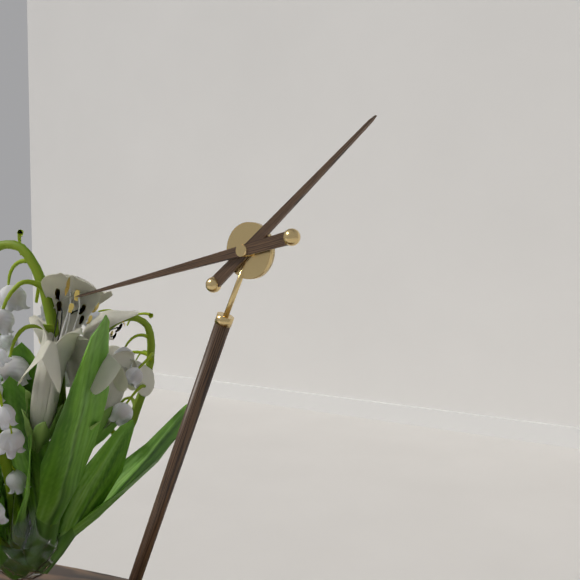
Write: 1h43
